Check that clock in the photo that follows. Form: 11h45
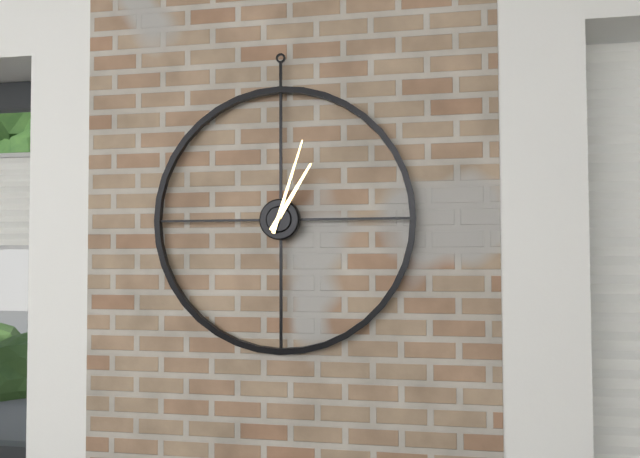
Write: 1h03
